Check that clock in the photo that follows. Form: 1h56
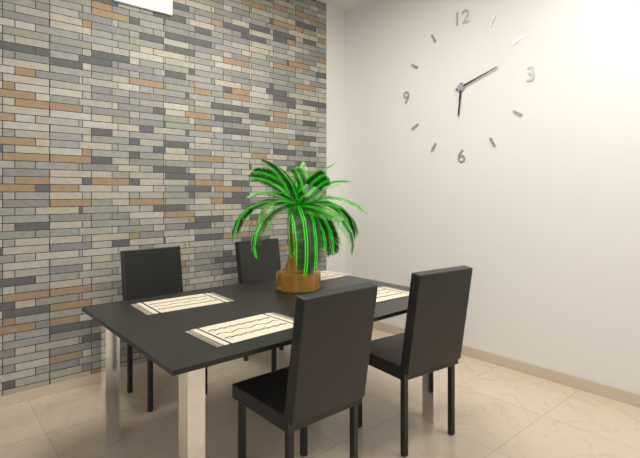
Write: 6h12
